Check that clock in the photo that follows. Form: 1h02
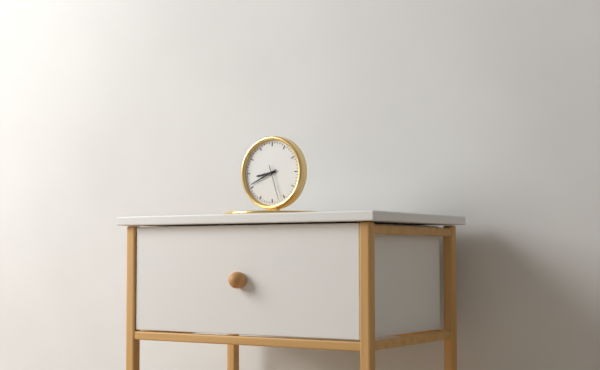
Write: 8h41
